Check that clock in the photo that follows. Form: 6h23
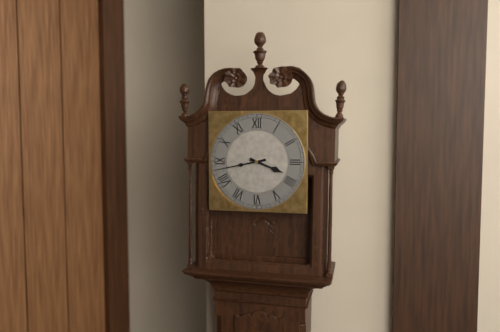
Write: 3h43
